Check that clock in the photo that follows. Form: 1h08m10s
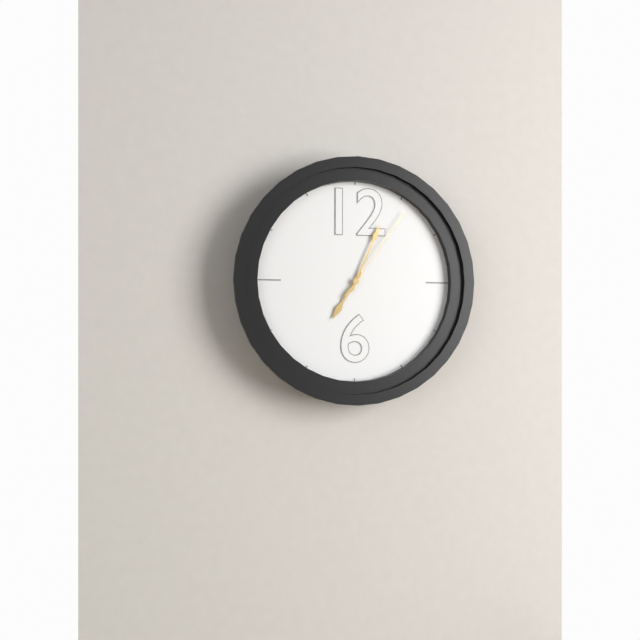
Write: 7h04m06s
